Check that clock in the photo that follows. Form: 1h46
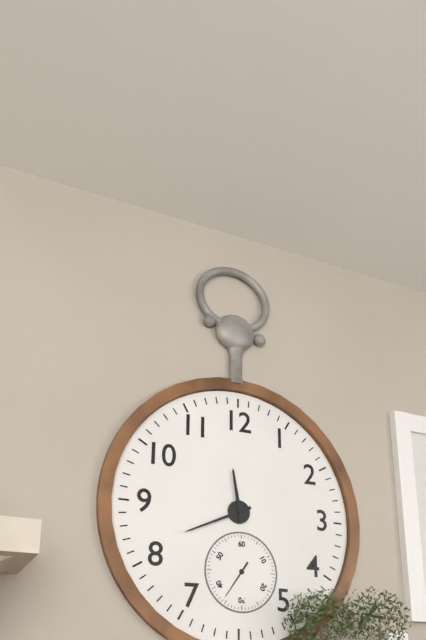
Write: 11h41
